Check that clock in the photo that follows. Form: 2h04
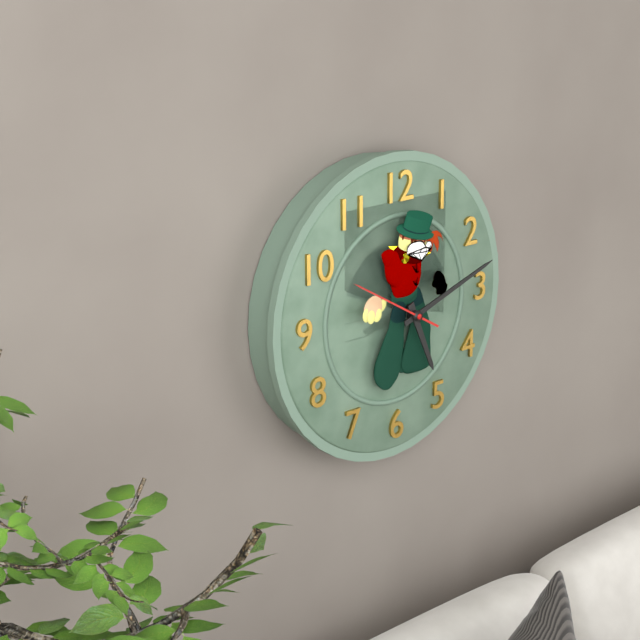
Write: 5h12
